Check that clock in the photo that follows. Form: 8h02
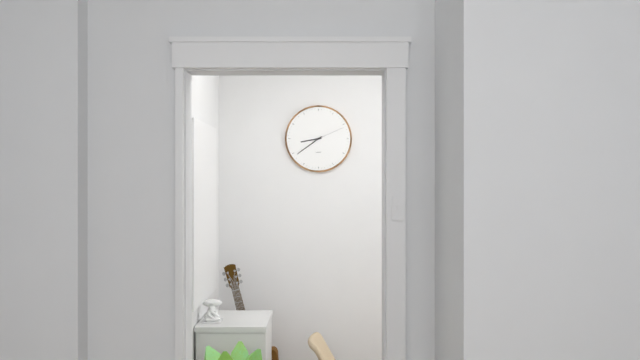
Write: 8h39
